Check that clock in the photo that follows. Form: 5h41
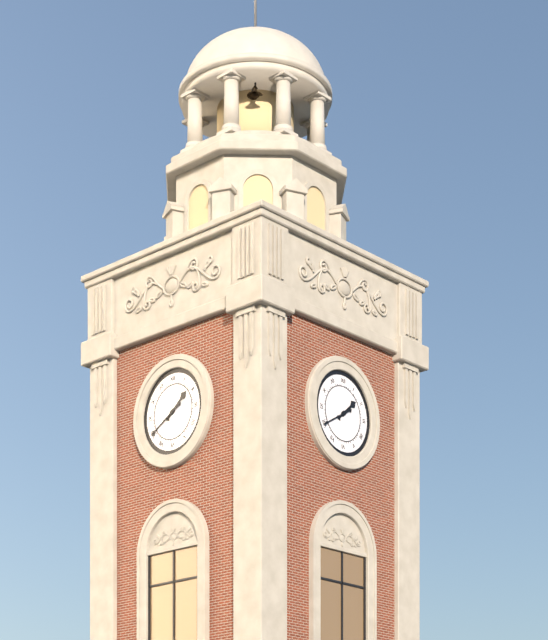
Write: 1h40
